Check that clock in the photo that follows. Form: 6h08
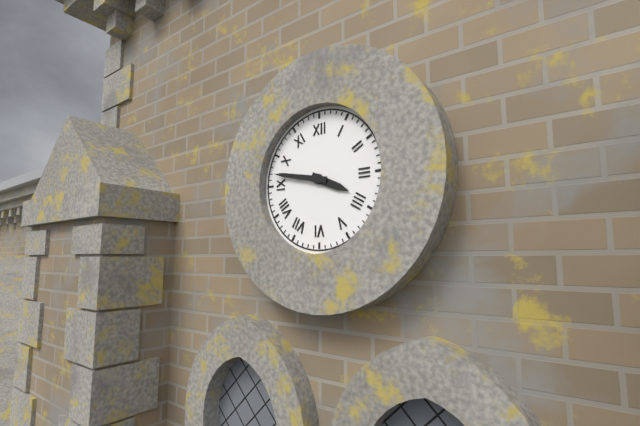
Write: 3h47
